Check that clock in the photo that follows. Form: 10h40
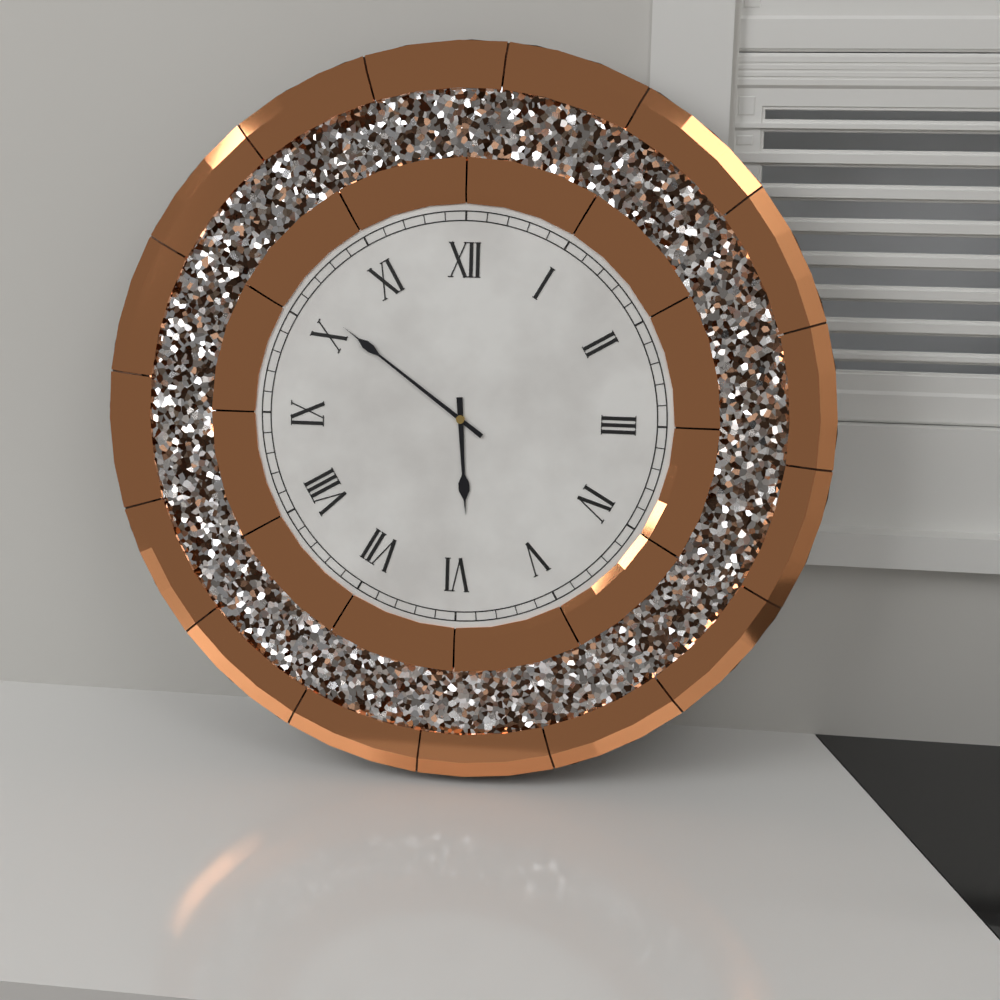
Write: 5h51
